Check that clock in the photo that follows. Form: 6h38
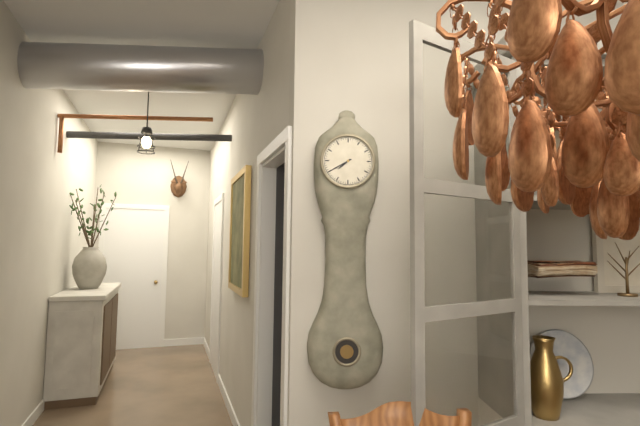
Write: 7h40
